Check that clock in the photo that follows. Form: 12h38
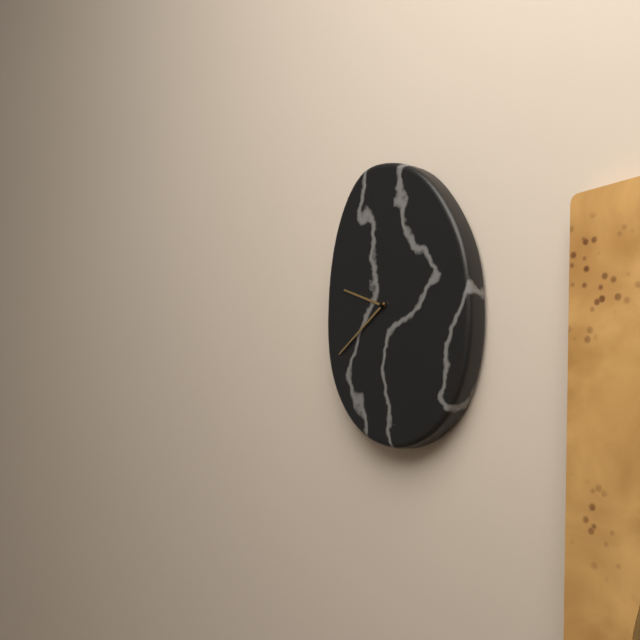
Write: 9h39
